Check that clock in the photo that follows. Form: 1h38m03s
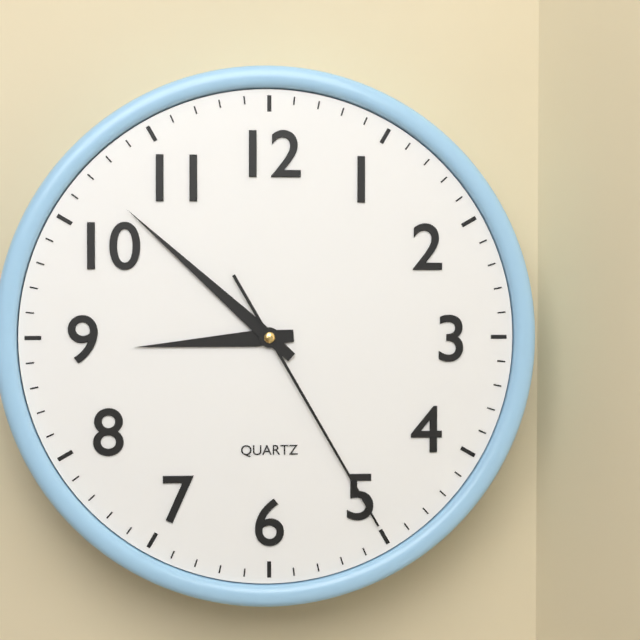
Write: 8h52m25s
